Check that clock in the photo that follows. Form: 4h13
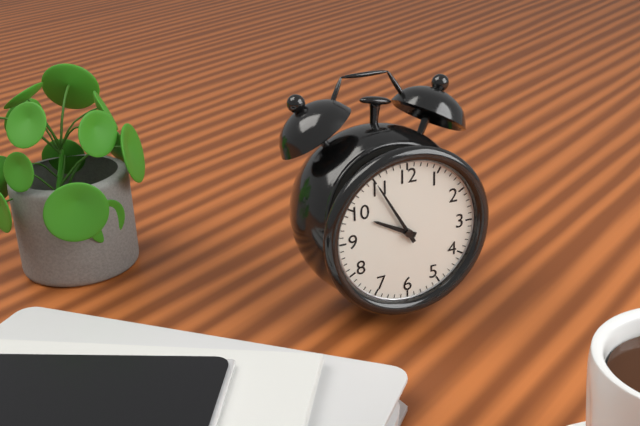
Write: 9h55
